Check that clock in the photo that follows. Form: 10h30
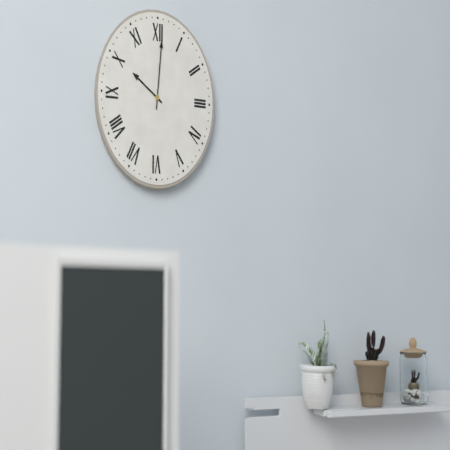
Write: 10h01
